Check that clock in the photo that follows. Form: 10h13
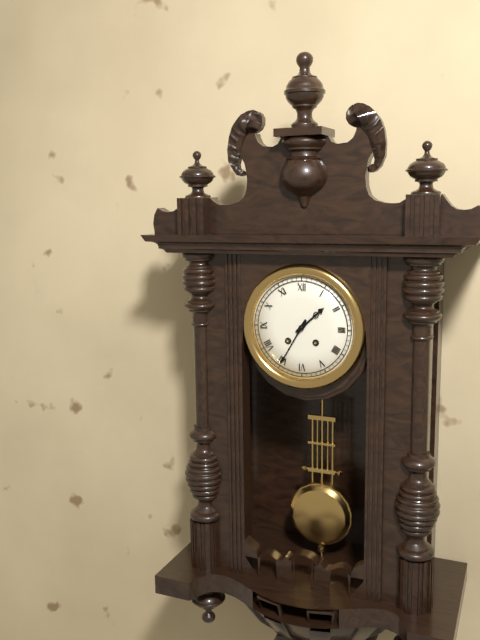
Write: 1h35
